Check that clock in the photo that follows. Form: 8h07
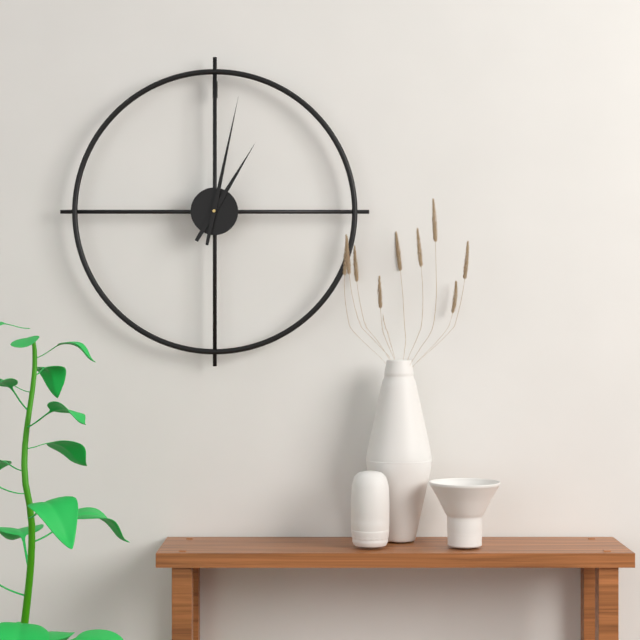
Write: 1h02
